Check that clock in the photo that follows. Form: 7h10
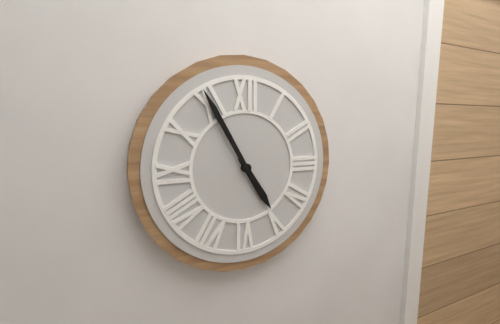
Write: 4h55
